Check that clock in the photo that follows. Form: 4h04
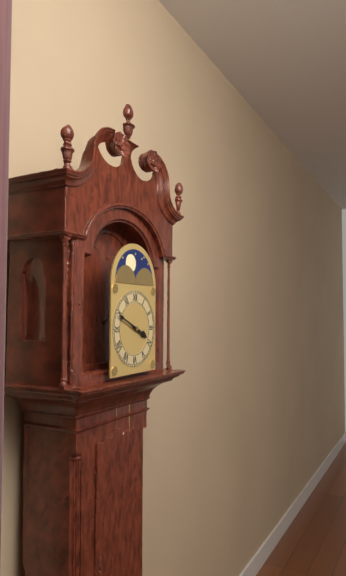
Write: 3h49
